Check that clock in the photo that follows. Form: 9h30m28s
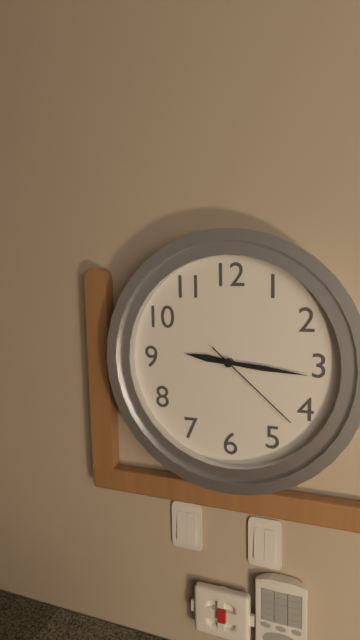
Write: 9h16m22s
